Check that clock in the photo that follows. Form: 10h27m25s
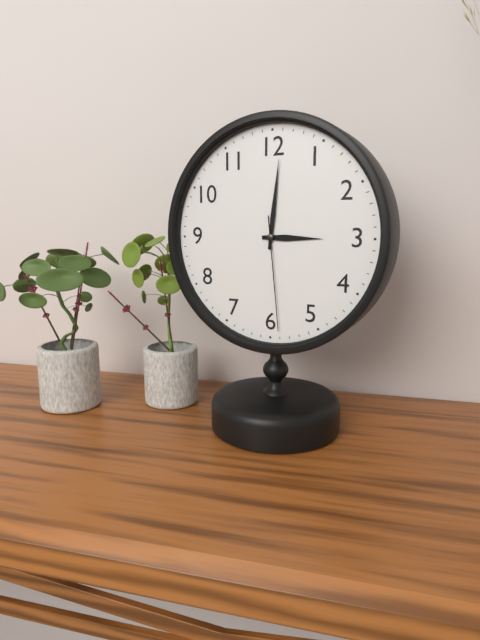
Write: 3h01m29s
